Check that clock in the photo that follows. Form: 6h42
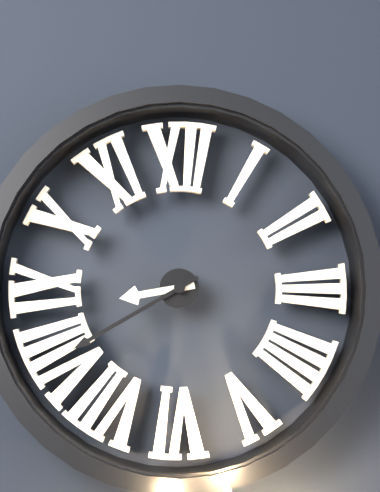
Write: 8h40
